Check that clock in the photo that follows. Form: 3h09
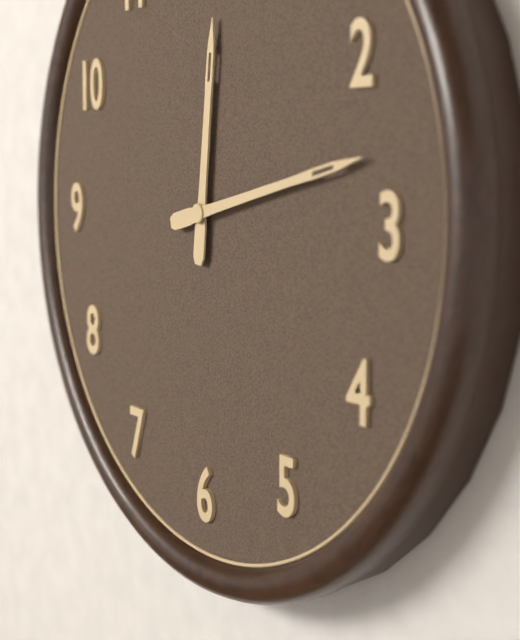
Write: 12h13
